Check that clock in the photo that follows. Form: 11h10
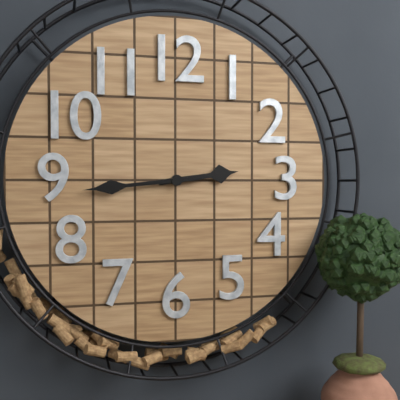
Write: 2h44
